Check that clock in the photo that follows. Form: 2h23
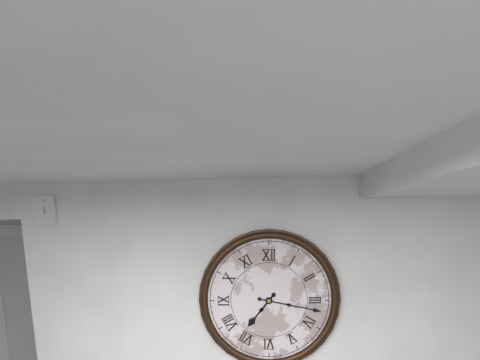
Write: 7h17
